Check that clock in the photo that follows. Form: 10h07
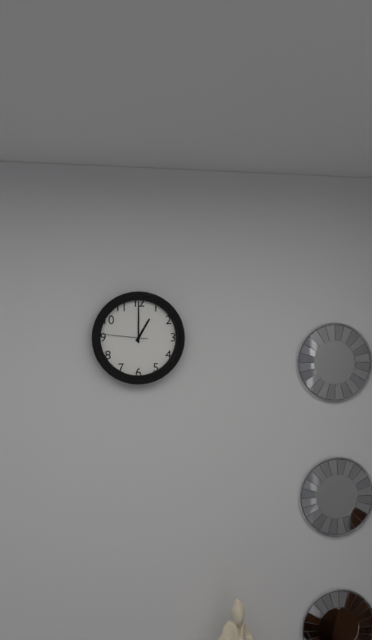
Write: 1h00
